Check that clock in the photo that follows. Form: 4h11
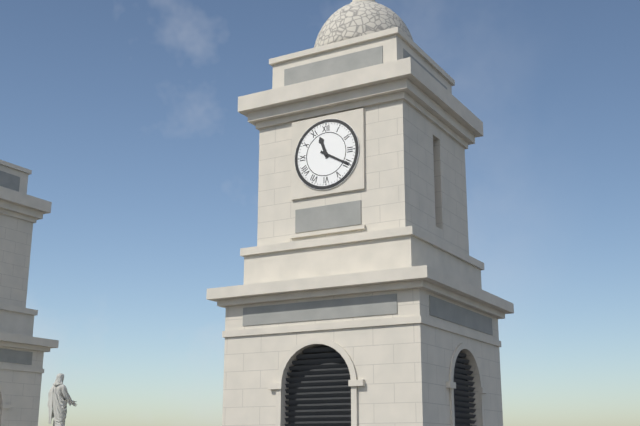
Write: 11h20
